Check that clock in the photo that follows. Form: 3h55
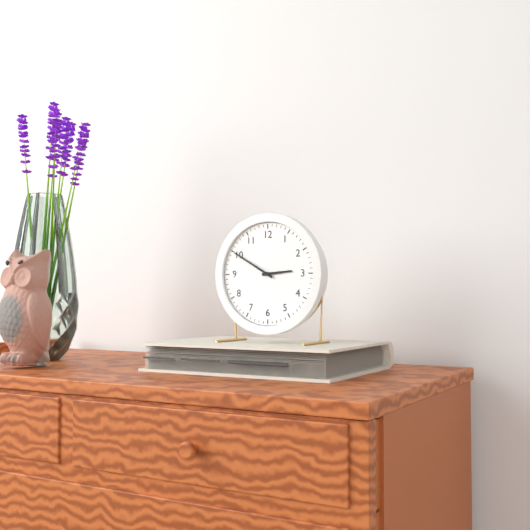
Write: 2h50
